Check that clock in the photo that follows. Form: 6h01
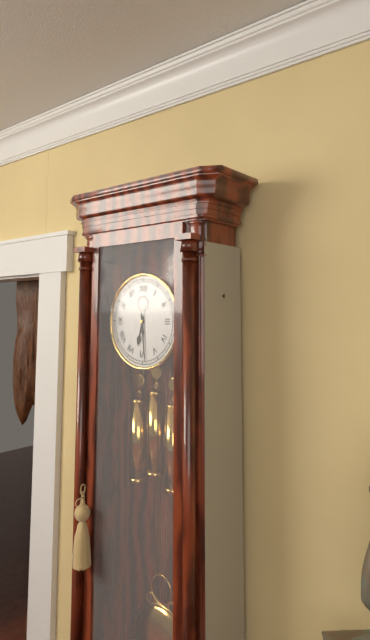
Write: 6h29
